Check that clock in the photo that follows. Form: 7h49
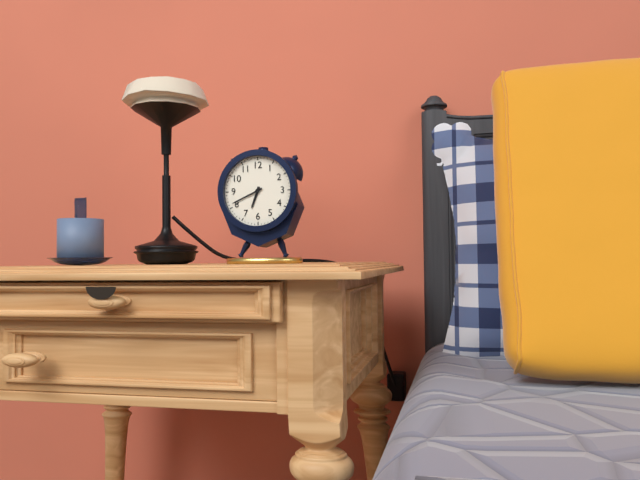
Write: 6h41
